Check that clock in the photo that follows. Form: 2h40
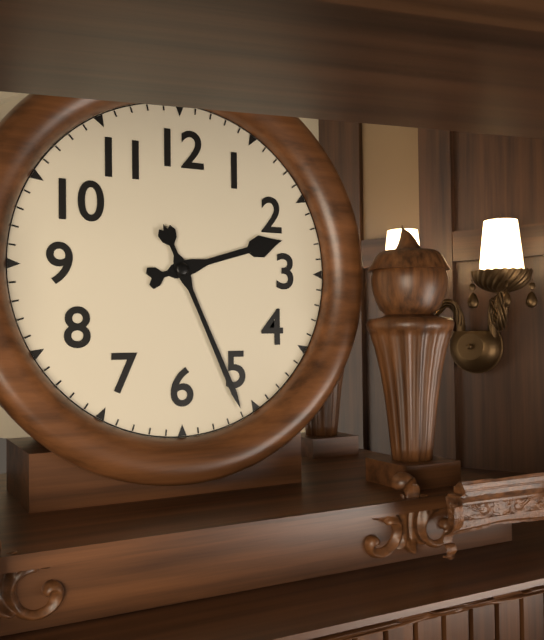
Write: 2h26
